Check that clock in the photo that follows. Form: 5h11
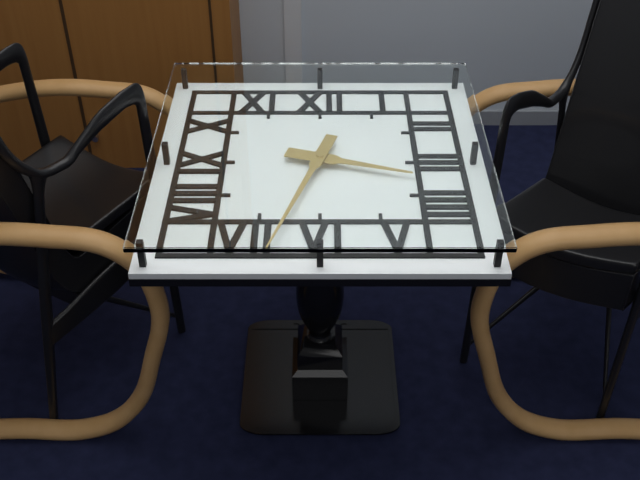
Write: 3h33
